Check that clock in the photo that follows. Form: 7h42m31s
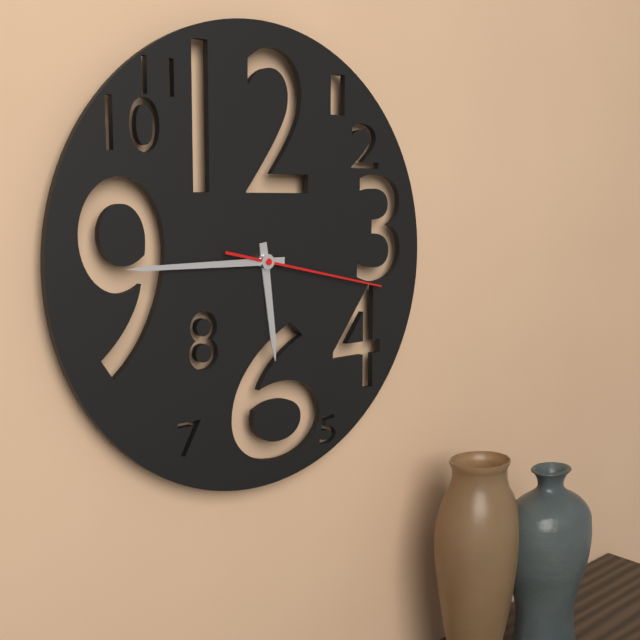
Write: 5h45m17s
